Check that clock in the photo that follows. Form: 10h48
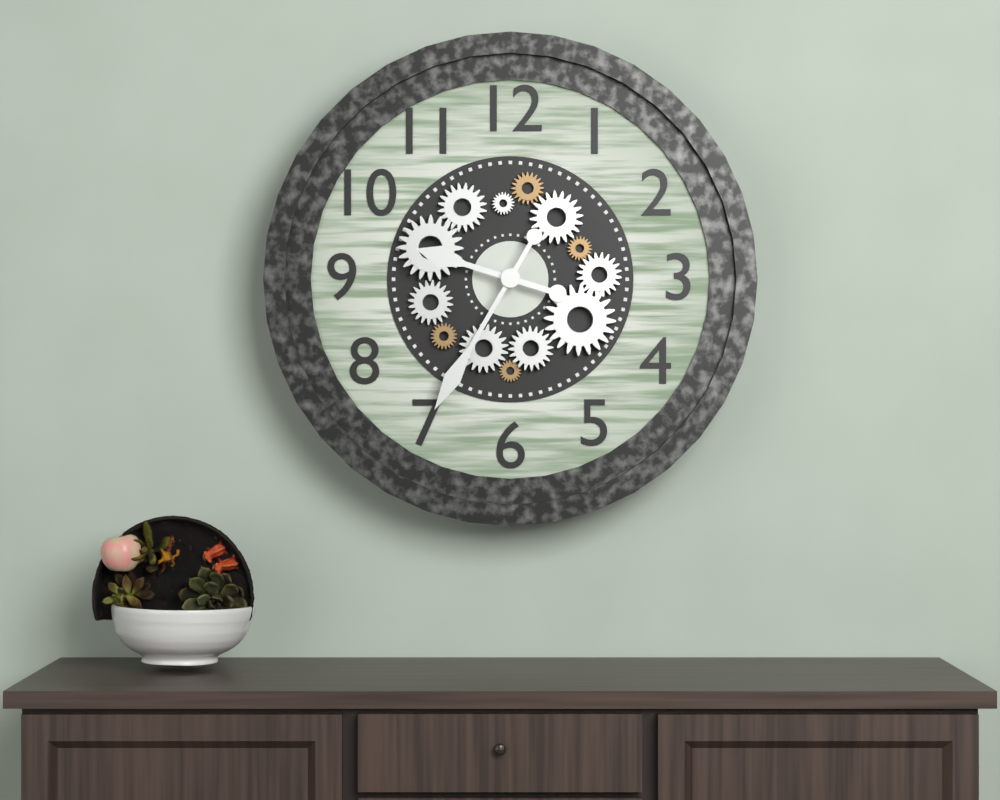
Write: 9h35
